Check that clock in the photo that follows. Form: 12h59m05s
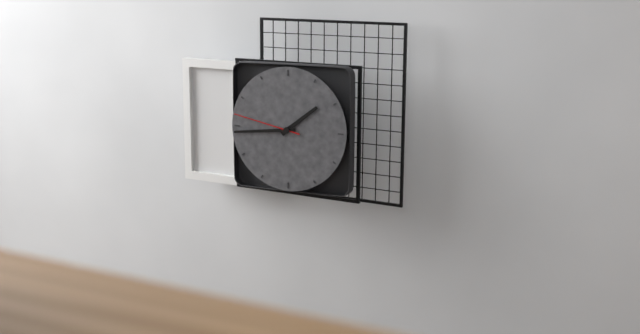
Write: 1h44m47s
